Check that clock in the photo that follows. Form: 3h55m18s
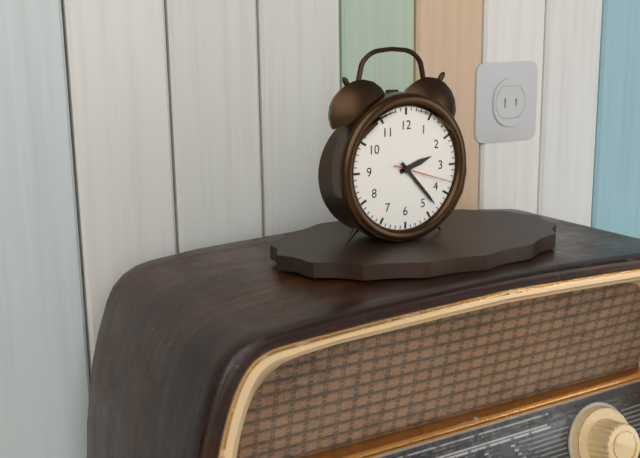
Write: 2h23m18s
